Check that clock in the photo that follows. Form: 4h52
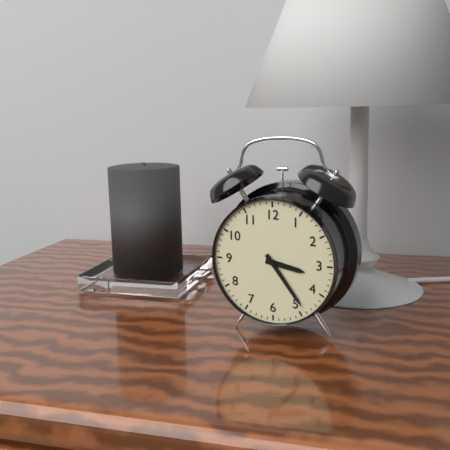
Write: 3h24
